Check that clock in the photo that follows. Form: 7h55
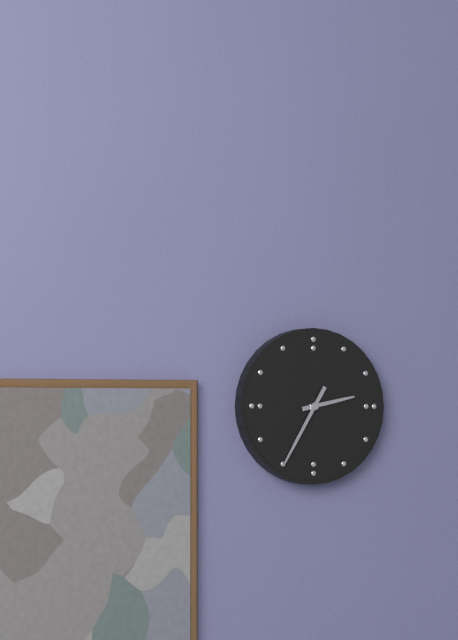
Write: 2h35
